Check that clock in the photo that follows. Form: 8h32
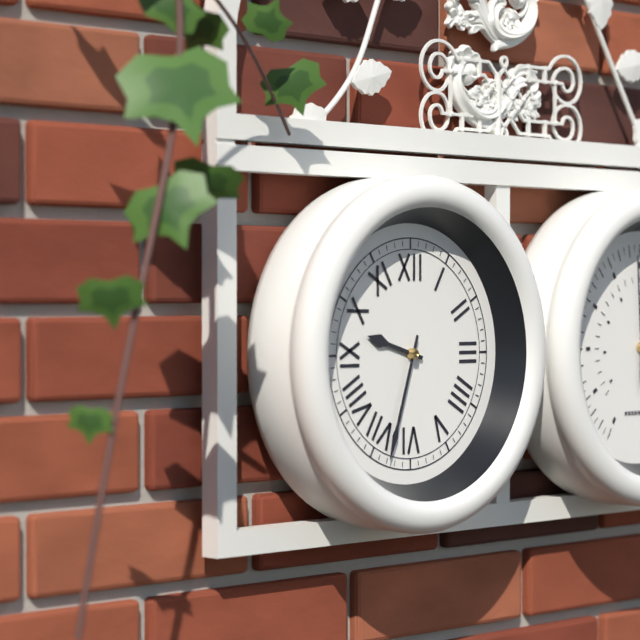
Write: 9h33
